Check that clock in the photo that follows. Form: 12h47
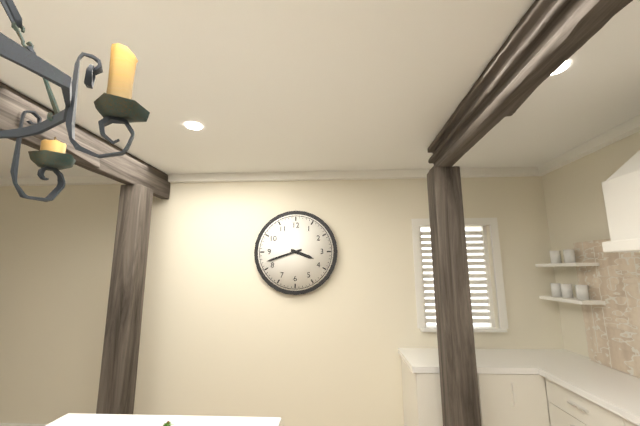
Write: 3h42
